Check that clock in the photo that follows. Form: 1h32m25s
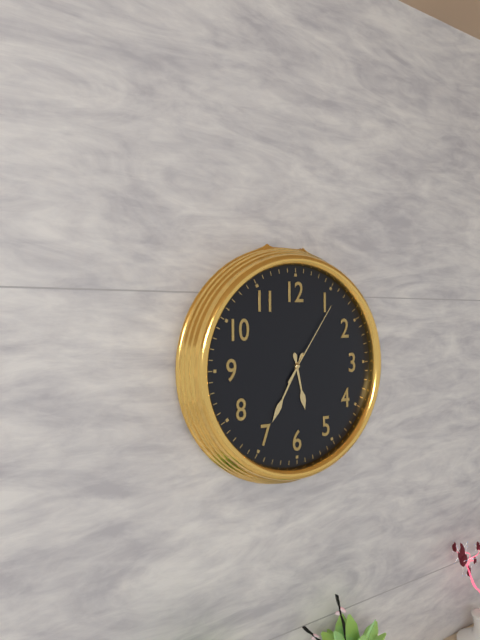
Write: 5h35m06s
